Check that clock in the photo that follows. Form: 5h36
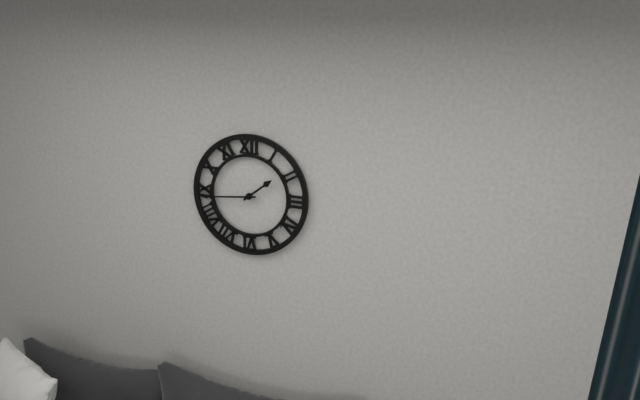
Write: 1h44
